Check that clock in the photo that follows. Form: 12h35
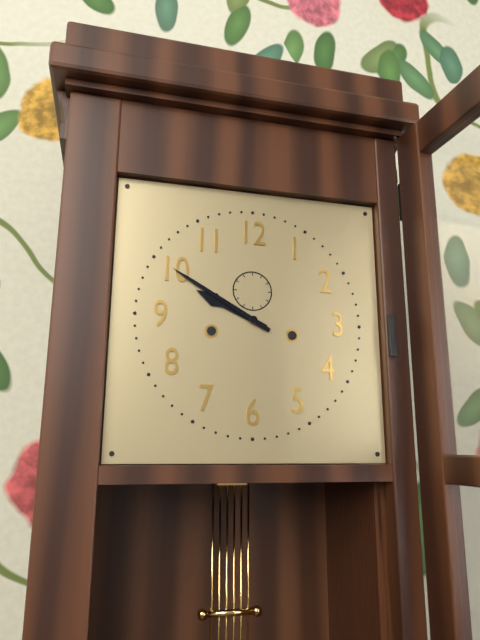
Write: 9h50
